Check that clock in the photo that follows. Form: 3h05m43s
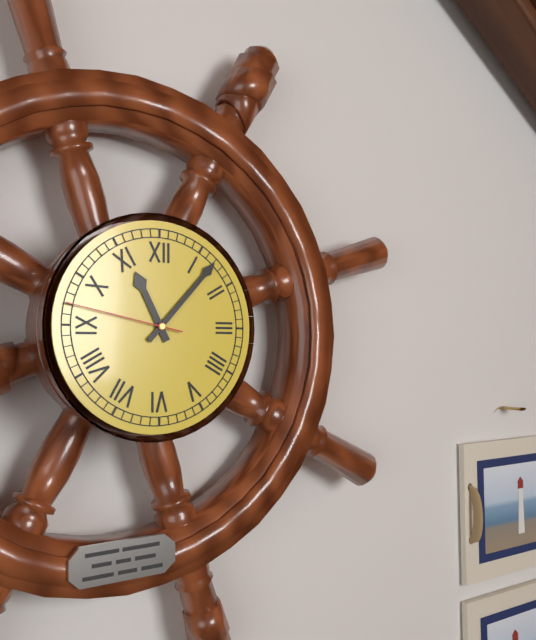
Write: 11h07m47s
